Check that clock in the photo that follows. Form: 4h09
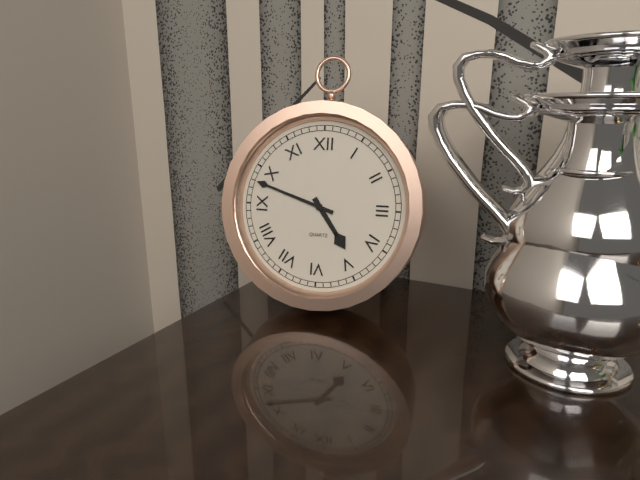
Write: 4h48
